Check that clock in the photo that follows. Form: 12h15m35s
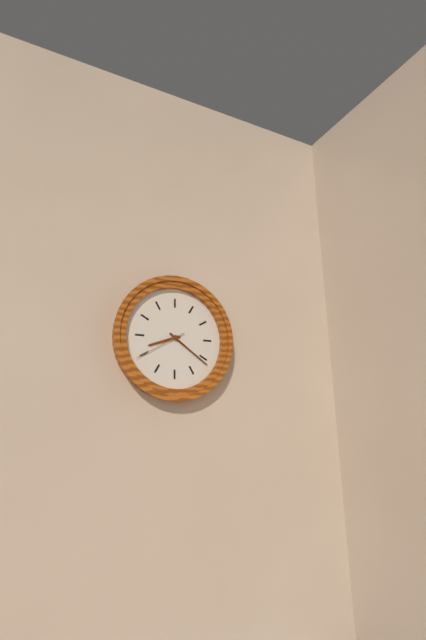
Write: 8h21m40s
